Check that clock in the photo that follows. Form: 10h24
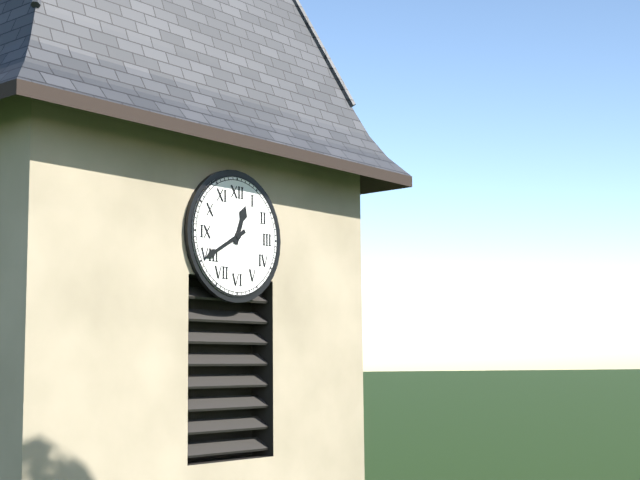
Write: 12h40
